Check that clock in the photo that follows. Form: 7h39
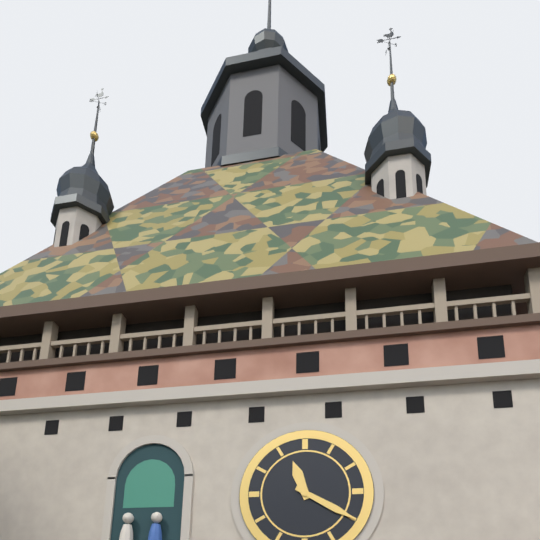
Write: 11h20
